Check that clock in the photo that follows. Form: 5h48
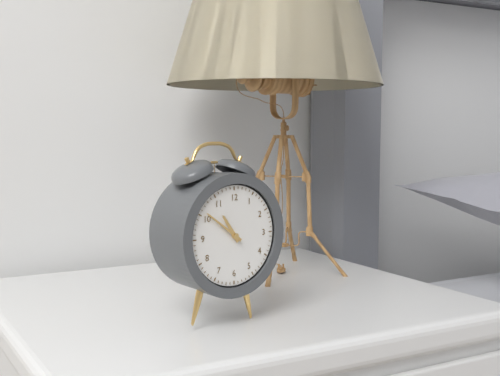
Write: 10h51
